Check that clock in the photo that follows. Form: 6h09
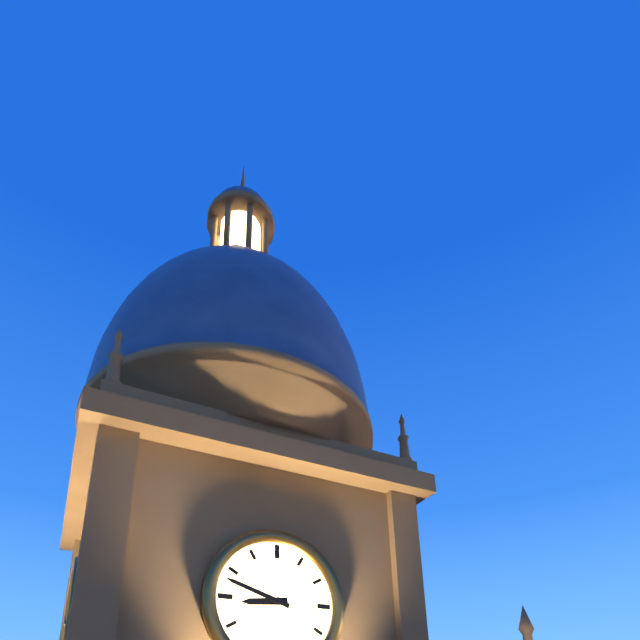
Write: 8h48
